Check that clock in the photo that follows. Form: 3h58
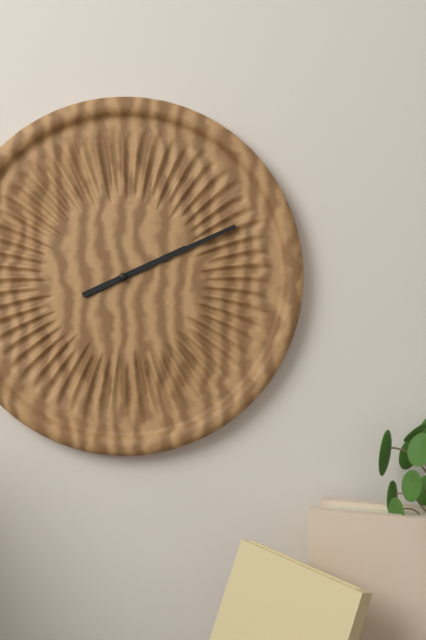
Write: 2h11
